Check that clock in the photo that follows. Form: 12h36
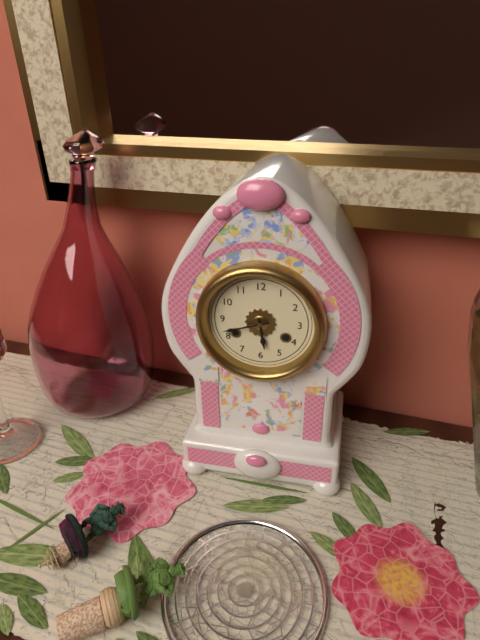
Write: 5h42
